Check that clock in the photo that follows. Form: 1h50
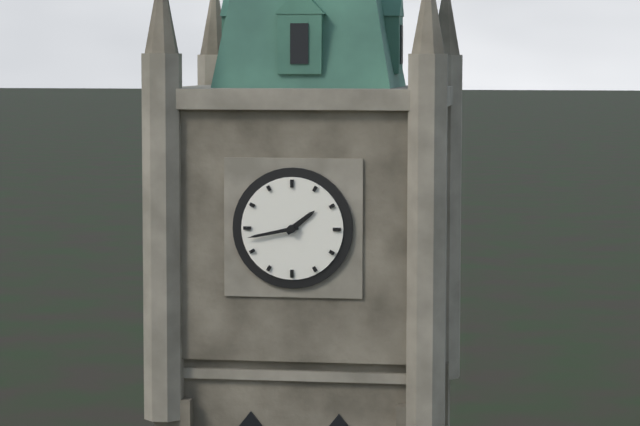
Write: 1h43
